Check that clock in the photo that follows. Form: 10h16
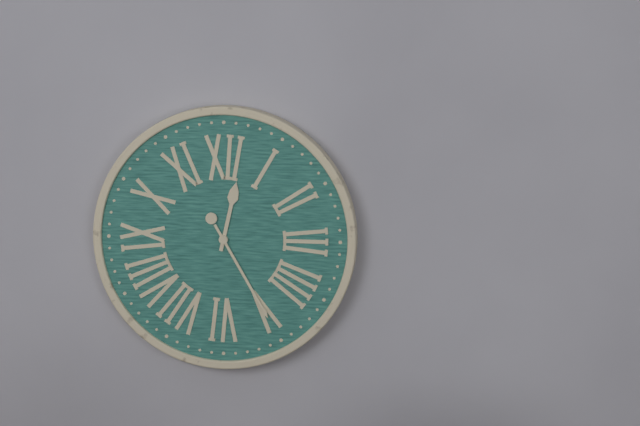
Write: 12h25
